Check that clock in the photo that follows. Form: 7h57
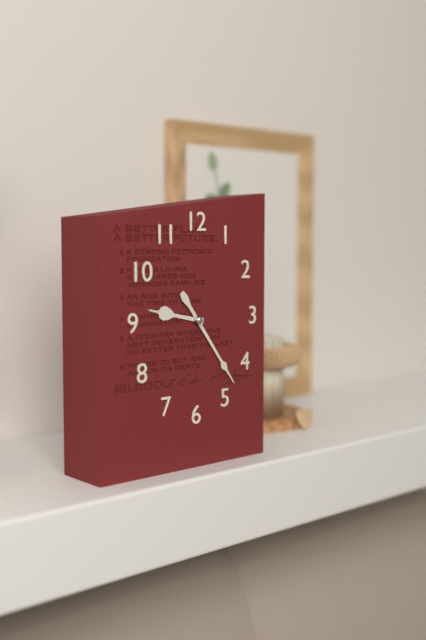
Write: 9h24
